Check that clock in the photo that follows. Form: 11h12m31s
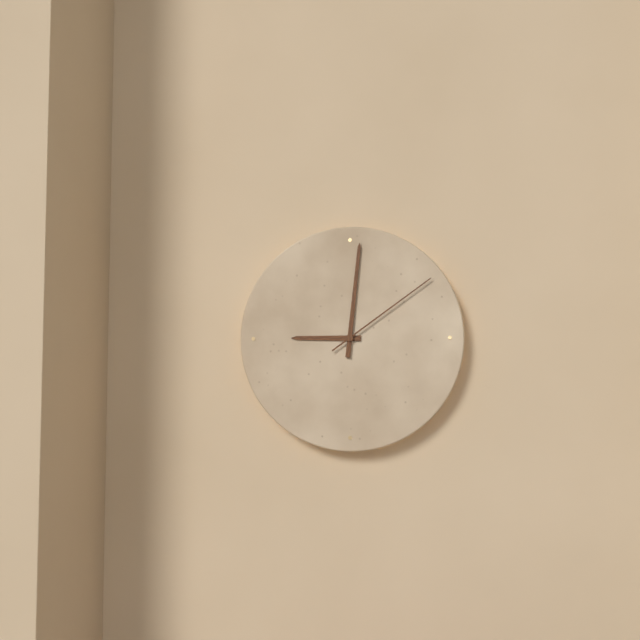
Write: 9h01m09s
